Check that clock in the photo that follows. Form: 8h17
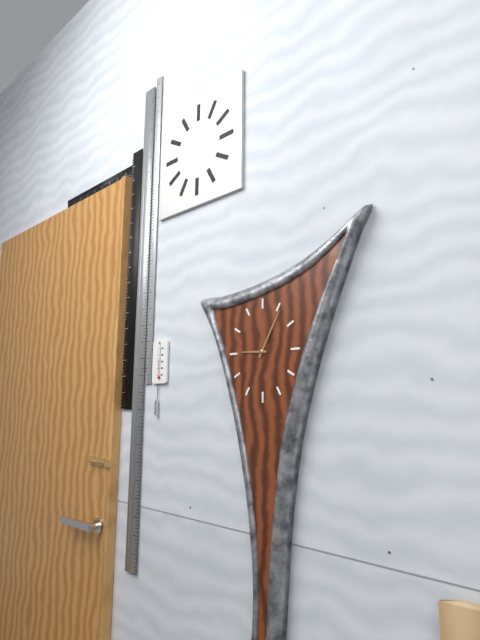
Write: 9h05
